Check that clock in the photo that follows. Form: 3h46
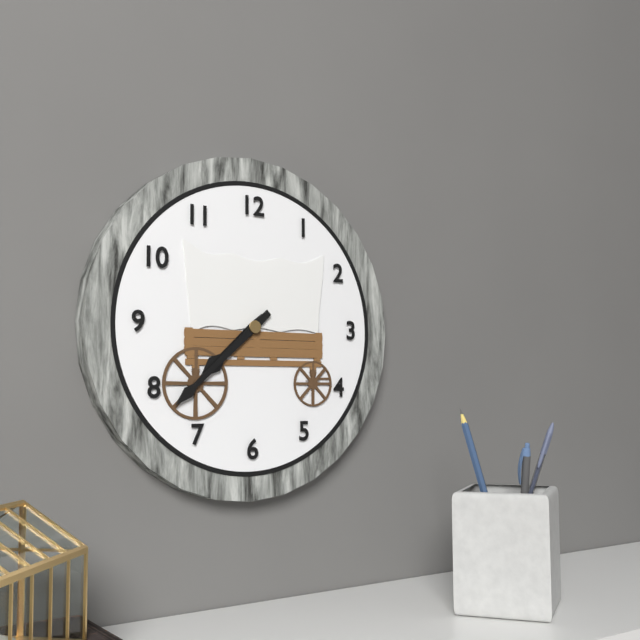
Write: 7h38
